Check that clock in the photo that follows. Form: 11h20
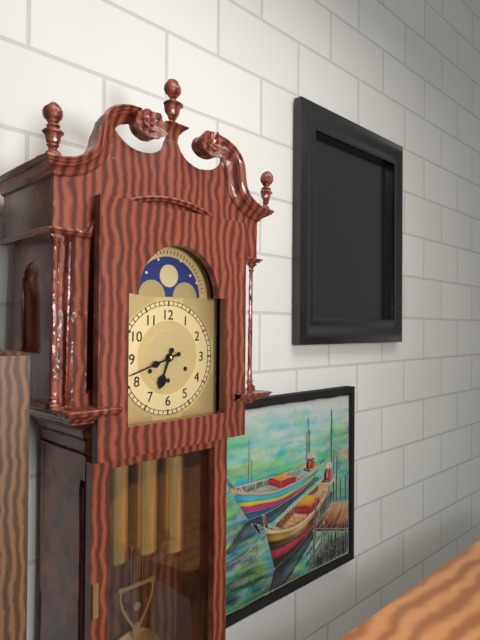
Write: 6h42
